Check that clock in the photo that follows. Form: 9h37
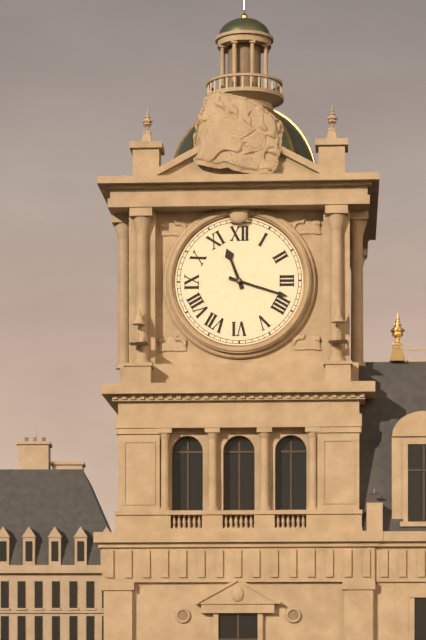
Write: 11h18
